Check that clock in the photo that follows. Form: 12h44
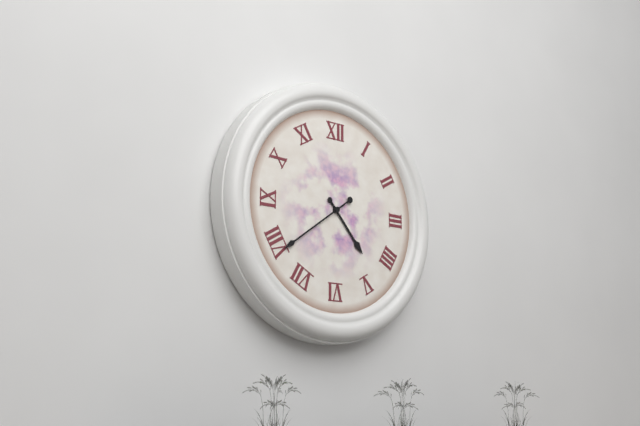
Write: 4h39
